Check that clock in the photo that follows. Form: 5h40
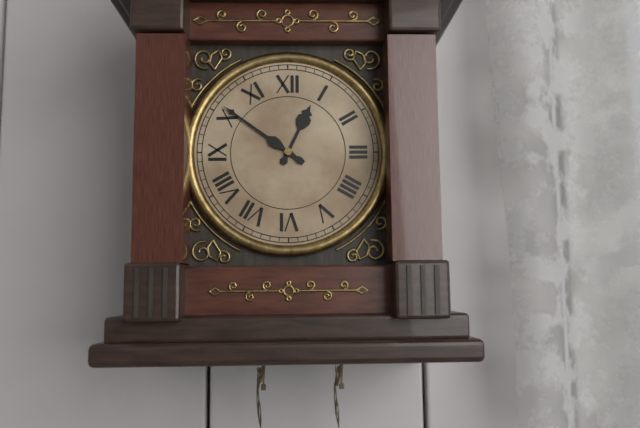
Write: 12h51
